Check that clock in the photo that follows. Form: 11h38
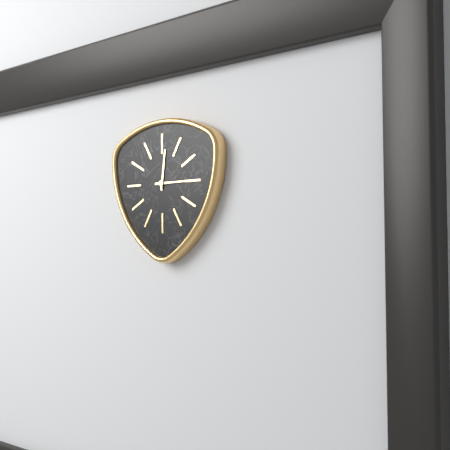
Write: 12h15
